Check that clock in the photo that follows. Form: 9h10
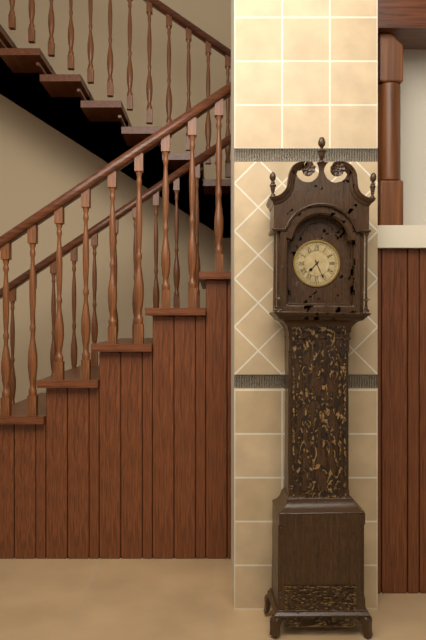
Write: 7h26
